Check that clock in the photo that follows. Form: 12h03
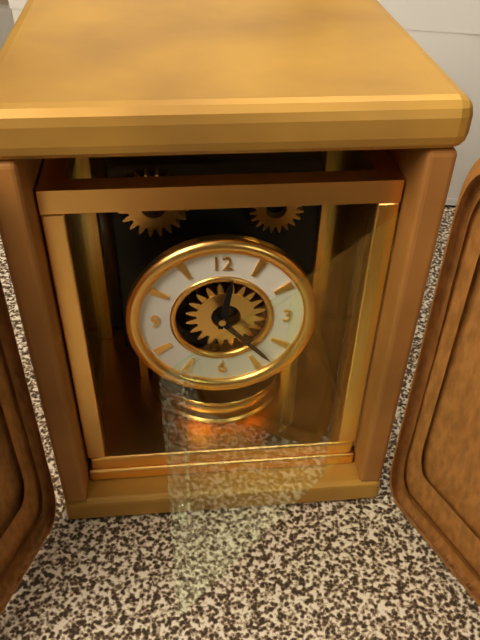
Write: 12h23
